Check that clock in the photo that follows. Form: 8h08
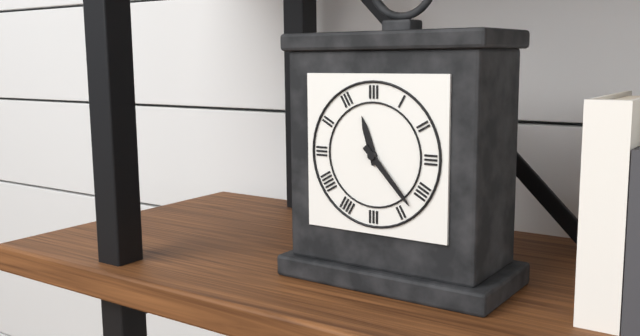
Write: 11h23
